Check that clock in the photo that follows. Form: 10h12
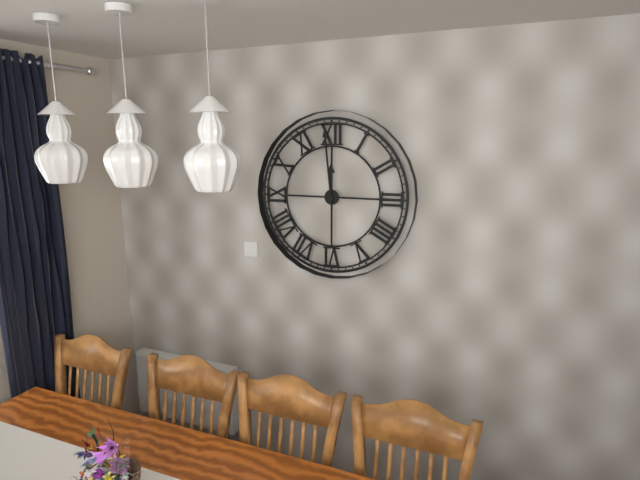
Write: 11h59
